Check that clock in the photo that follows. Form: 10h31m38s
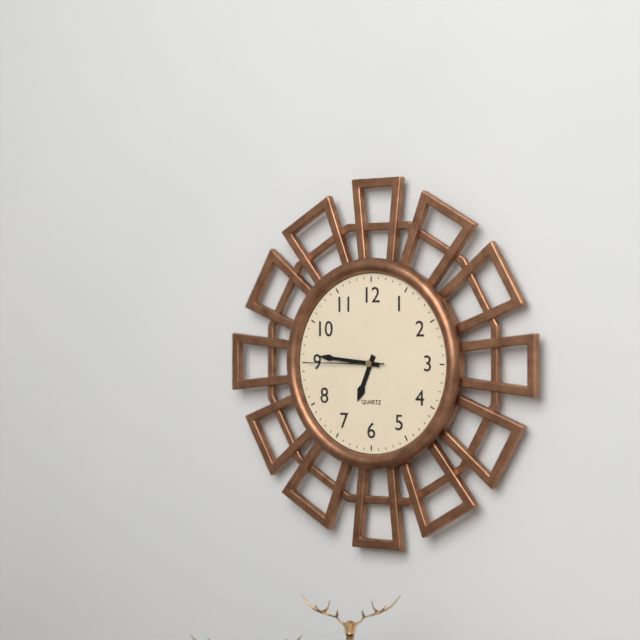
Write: 6h46m45s
